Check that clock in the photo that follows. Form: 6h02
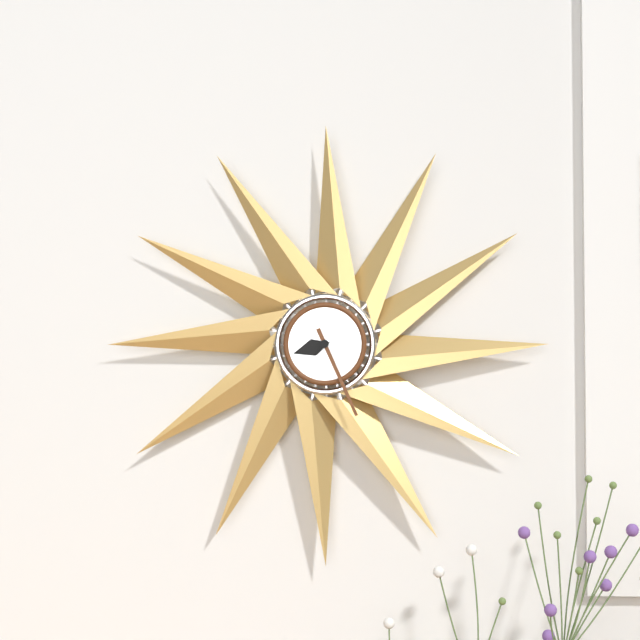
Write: 8h26
